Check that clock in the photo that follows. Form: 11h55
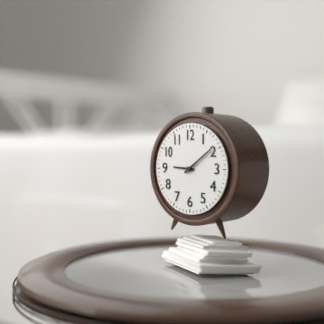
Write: 9h09
